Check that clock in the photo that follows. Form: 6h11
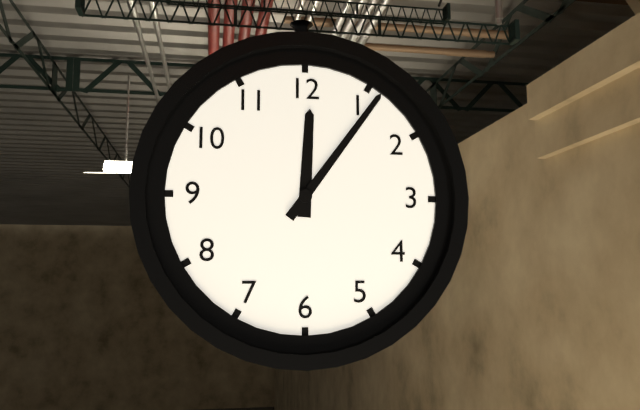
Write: 12h06
